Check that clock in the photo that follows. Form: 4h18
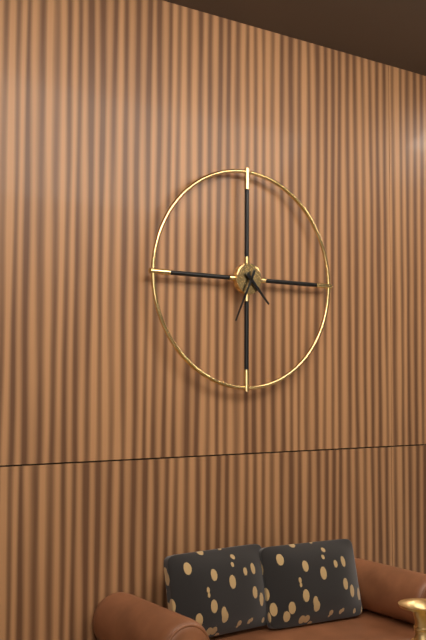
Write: 4h34
